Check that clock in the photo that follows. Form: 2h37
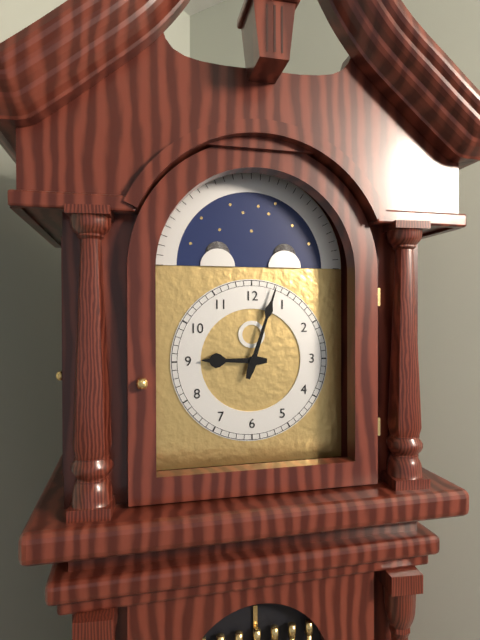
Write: 9h03
